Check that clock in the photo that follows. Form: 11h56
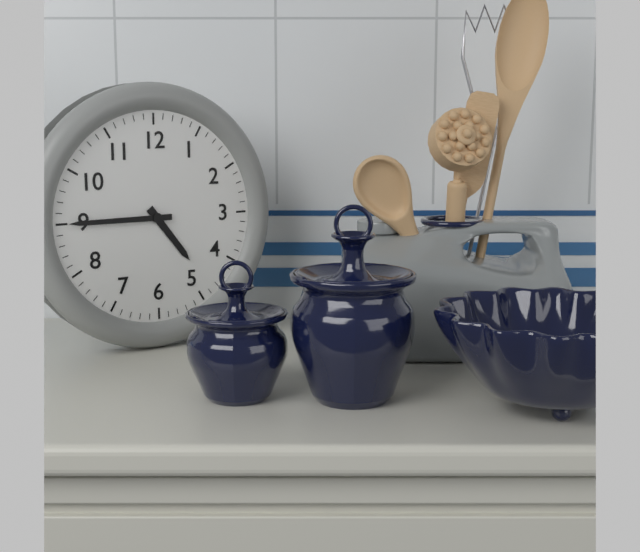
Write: 4h45
